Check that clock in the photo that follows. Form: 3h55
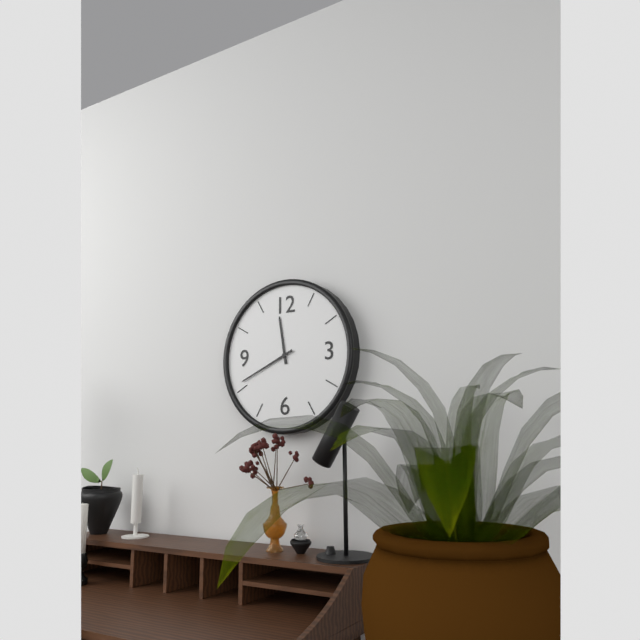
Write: 11h41
